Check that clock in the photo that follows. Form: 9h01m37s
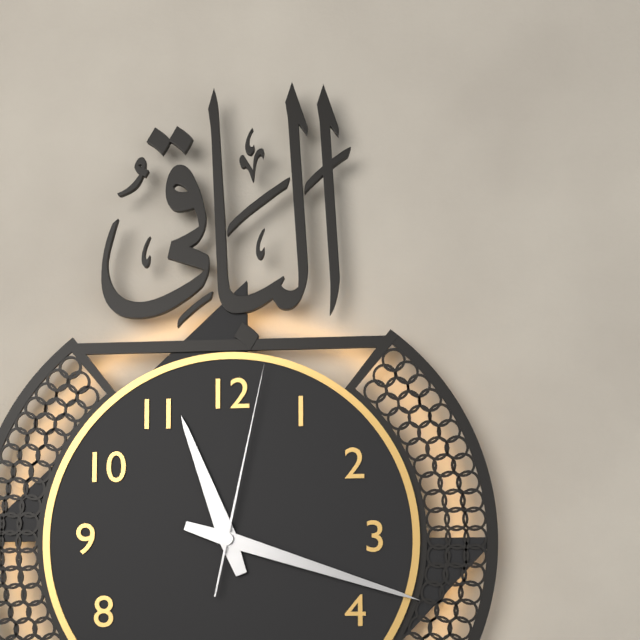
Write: 11h18m02s
